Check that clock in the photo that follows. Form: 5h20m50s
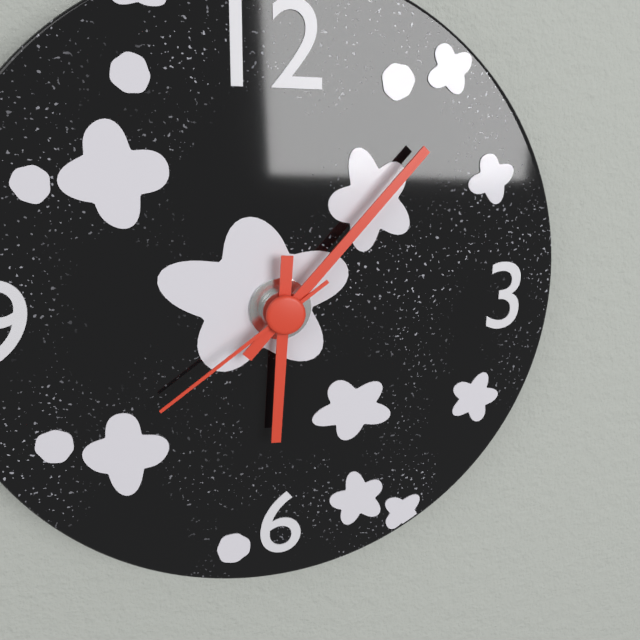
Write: 6h07m39s
